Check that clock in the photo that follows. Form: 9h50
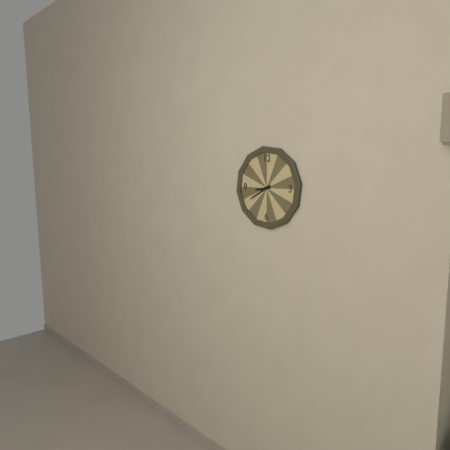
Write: 8h40
